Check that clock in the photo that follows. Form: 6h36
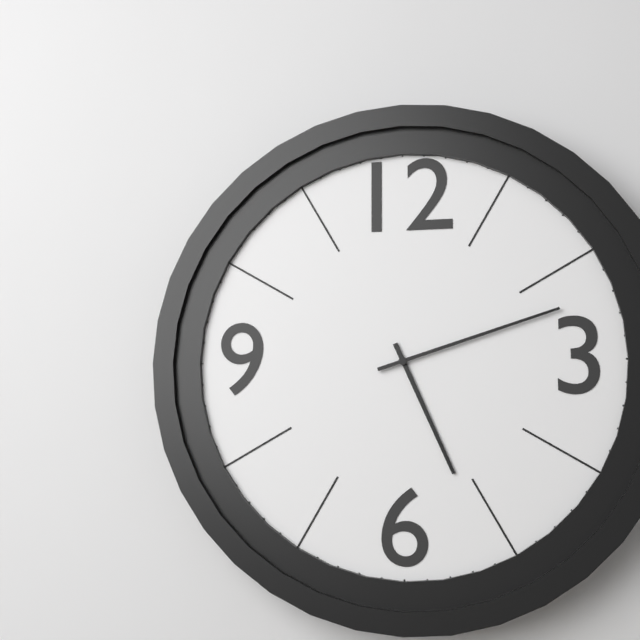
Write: 5h12
